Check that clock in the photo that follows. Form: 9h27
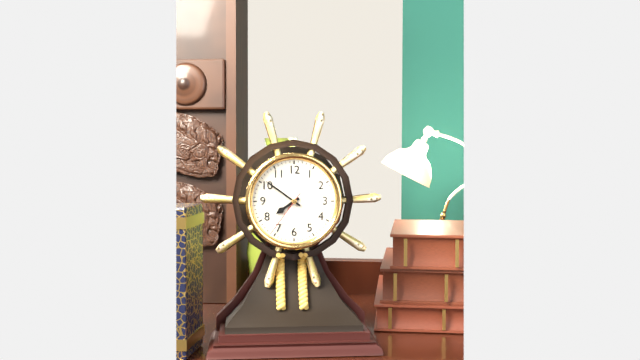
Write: 7h51
